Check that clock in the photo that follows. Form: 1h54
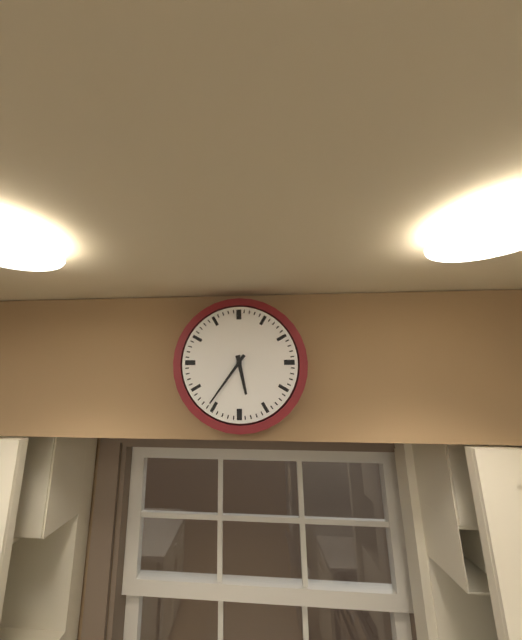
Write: 5h36
